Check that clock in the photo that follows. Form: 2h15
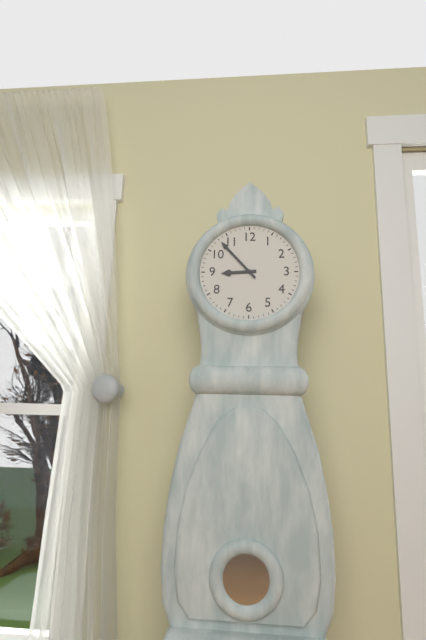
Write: 8h53
